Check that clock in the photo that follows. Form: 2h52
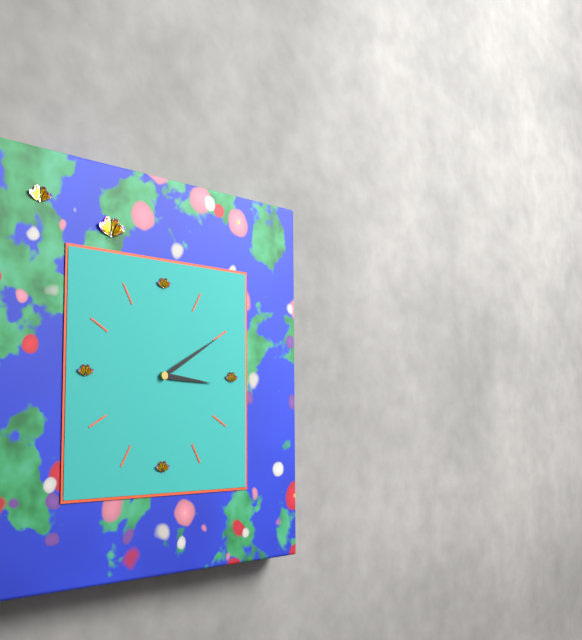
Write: 3h10
